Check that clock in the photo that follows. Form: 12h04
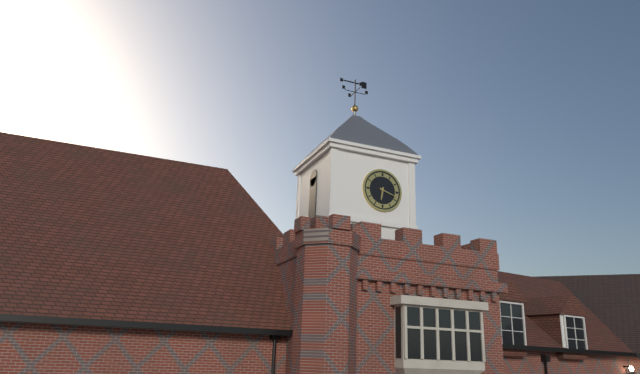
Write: 6h18
